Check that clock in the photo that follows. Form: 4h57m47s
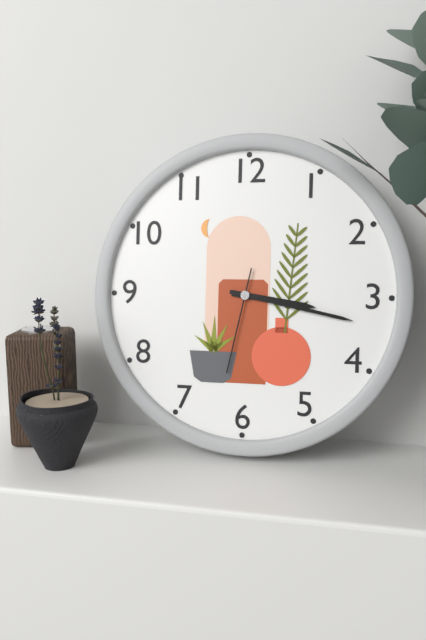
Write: 3h17m32s
